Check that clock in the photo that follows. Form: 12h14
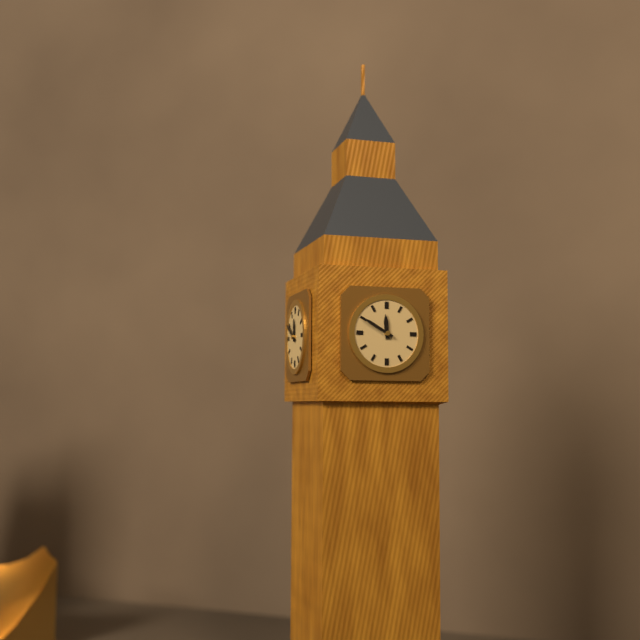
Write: 11h50
